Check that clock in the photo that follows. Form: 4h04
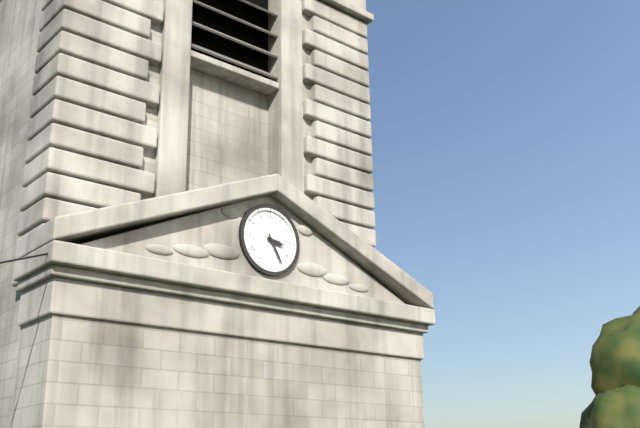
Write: 3h25
